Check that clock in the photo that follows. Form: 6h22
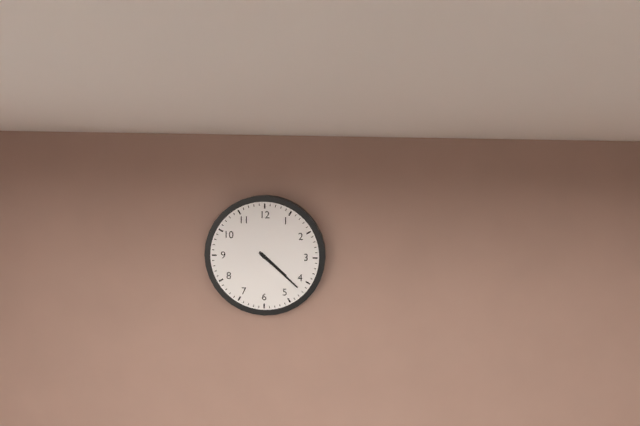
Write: 4h22
